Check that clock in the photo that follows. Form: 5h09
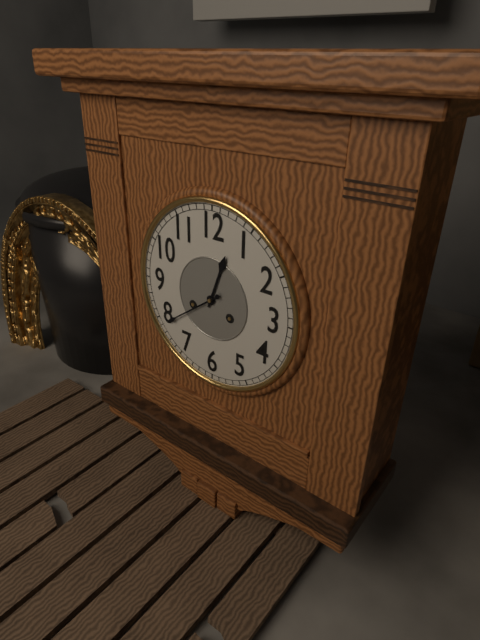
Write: 12h39
